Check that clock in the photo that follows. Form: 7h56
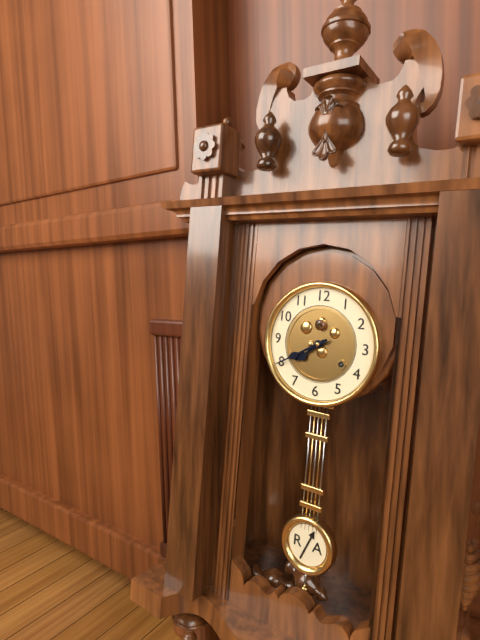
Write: 7h40
